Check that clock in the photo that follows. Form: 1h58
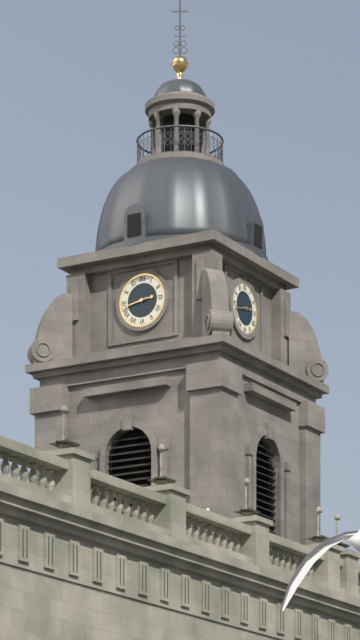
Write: 2h43
